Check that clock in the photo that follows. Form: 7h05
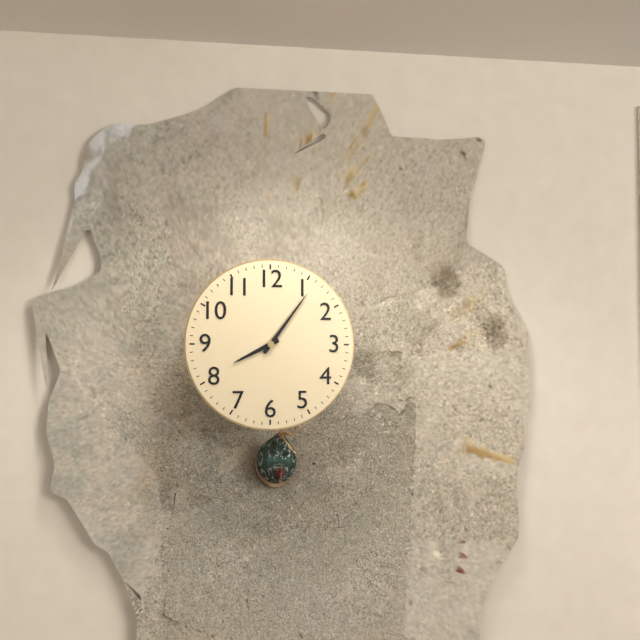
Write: 8h06
